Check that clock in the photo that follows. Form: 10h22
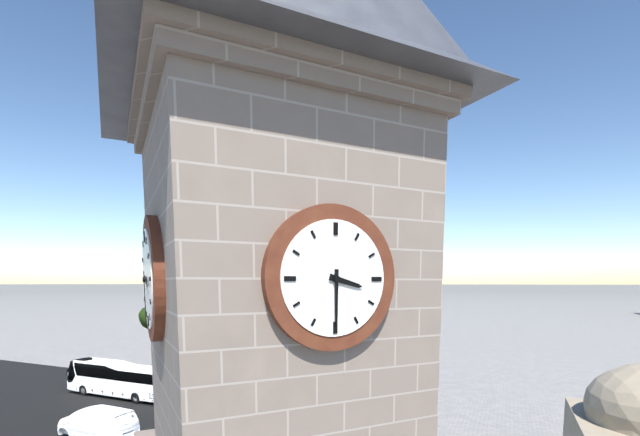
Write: 3h30
